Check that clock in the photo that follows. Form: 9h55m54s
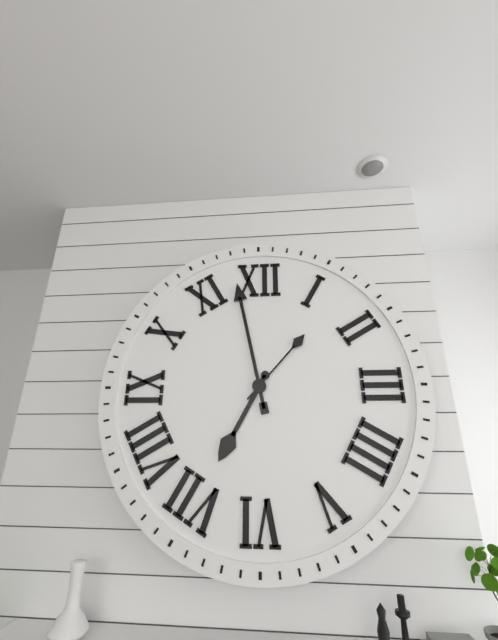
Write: 6h58m07s
